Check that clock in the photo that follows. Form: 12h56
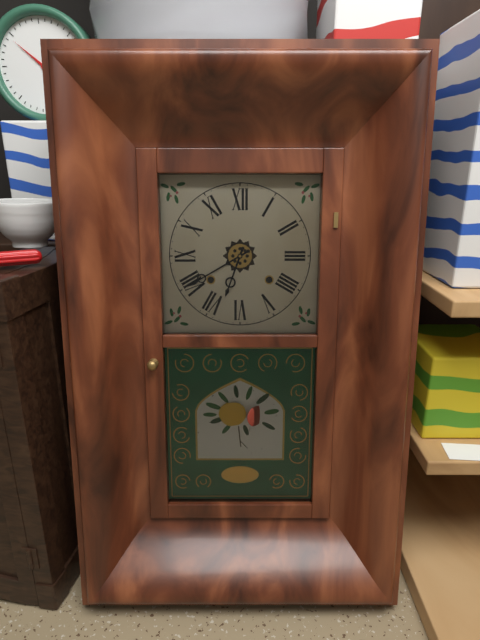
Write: 6h40
